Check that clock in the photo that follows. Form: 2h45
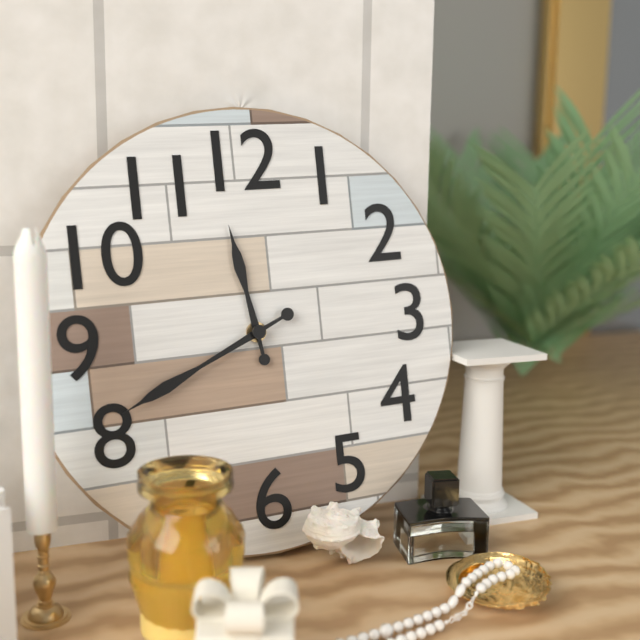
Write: 11h41
